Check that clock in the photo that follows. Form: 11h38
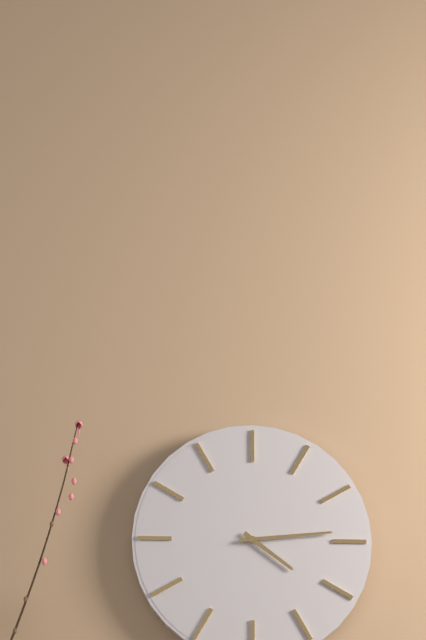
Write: 4h14
